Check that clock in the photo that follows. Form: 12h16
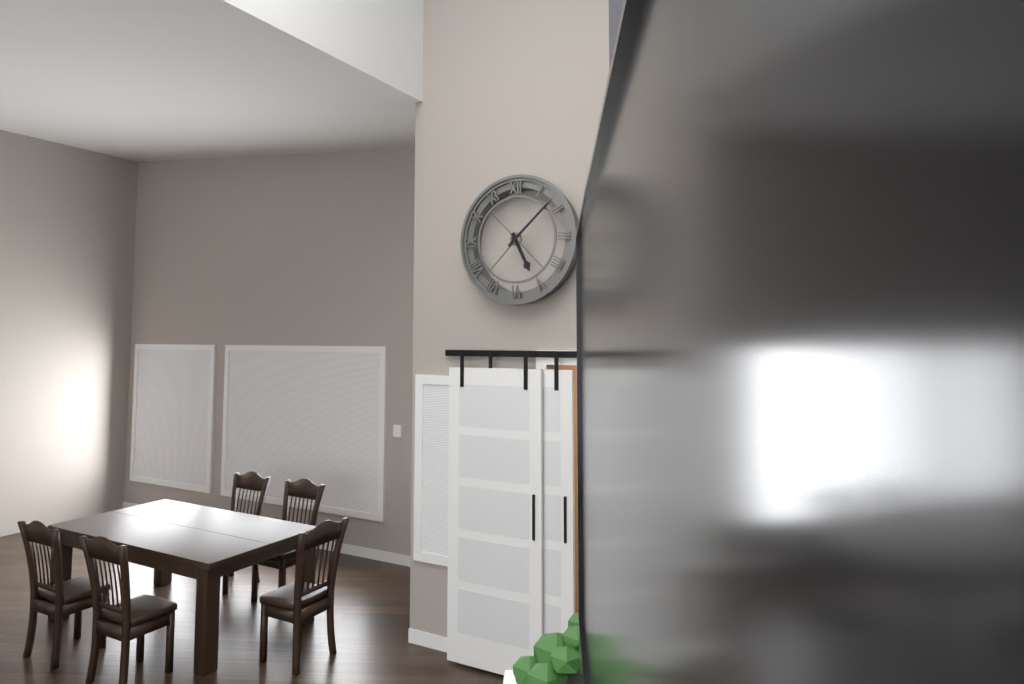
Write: 5h08
